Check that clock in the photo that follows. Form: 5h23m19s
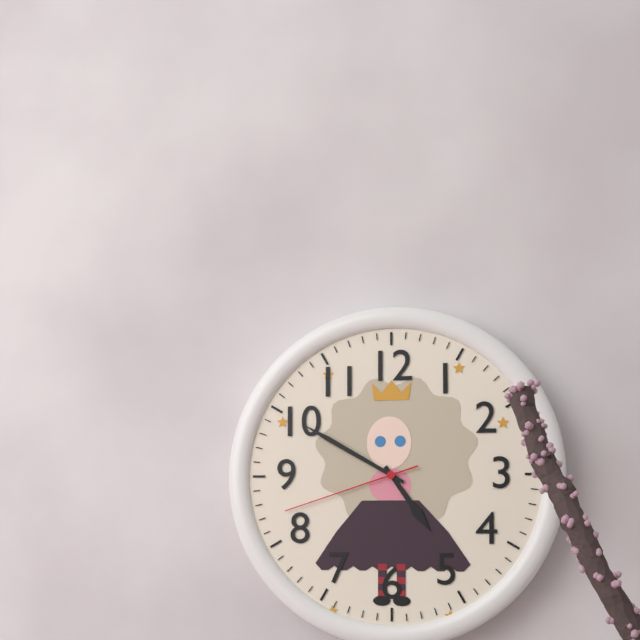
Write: 4h50m42s
